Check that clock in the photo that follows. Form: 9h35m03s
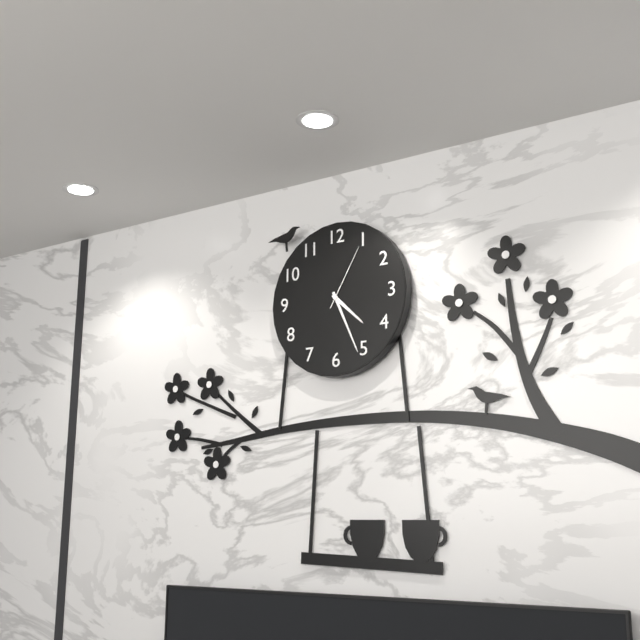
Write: 4h26m05s
